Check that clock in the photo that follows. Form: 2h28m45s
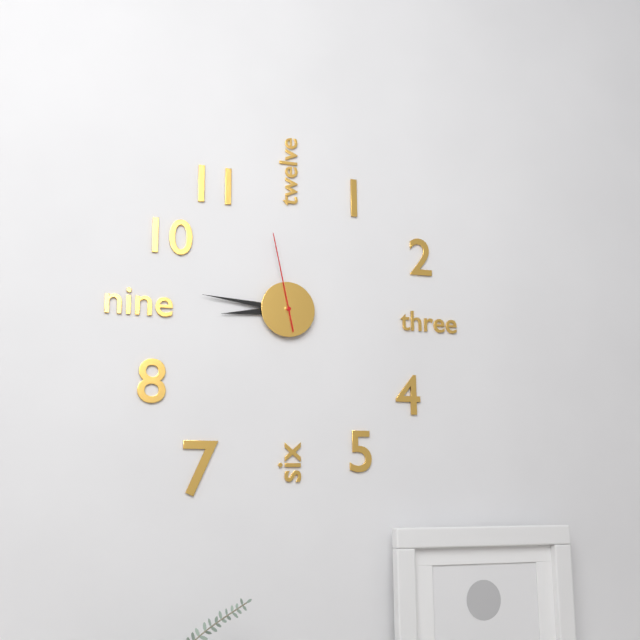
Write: 8h46m58s
